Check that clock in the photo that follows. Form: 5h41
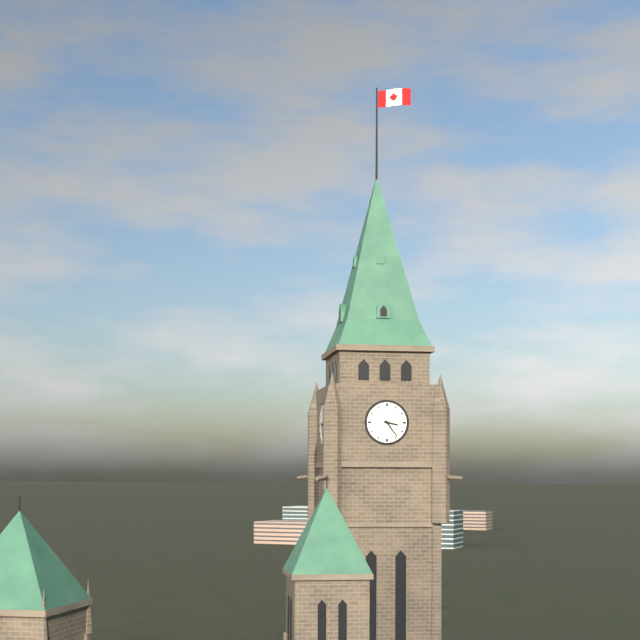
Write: 3h24
